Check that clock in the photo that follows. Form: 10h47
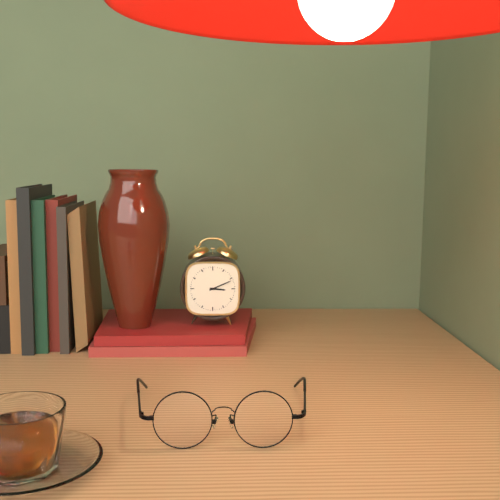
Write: 3h11
